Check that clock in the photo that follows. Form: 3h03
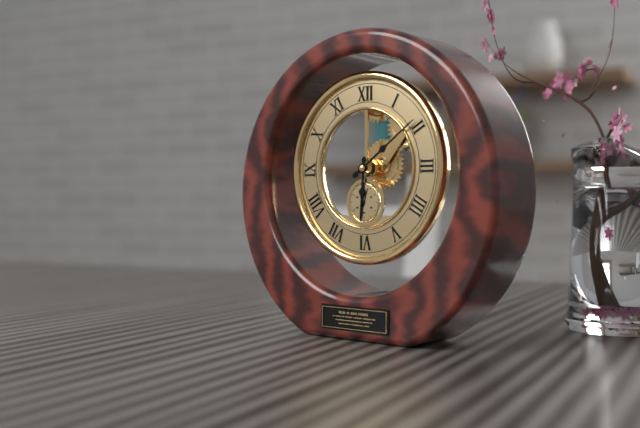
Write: 6h09
